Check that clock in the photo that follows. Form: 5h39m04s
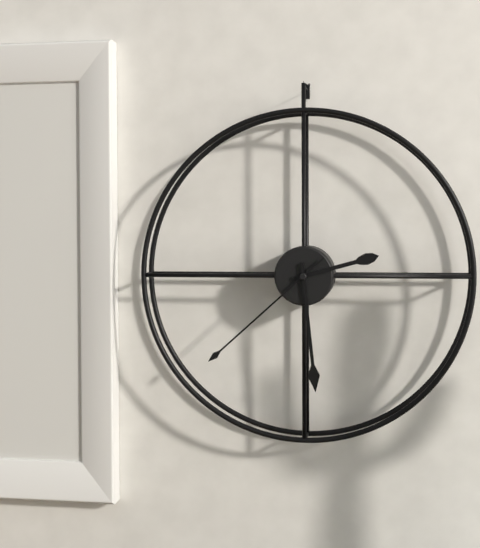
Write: 2h29m38s
